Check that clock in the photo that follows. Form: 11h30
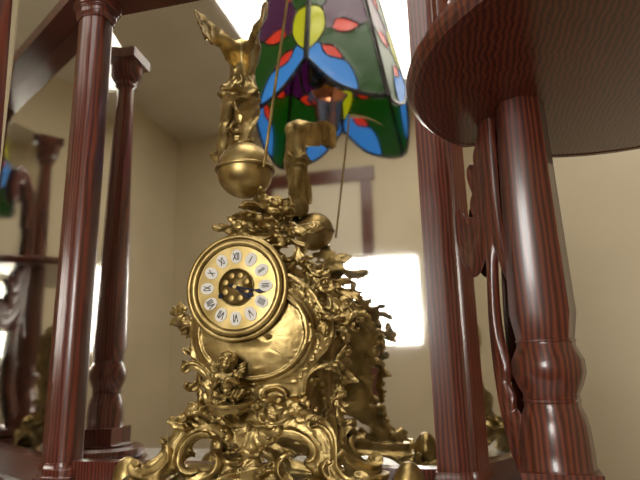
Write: 4h17
